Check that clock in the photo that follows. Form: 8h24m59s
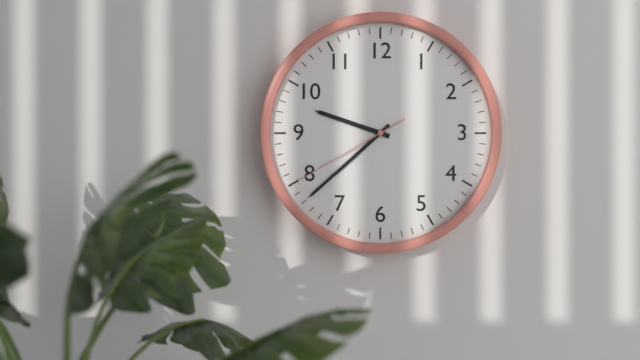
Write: 9h38m40s
